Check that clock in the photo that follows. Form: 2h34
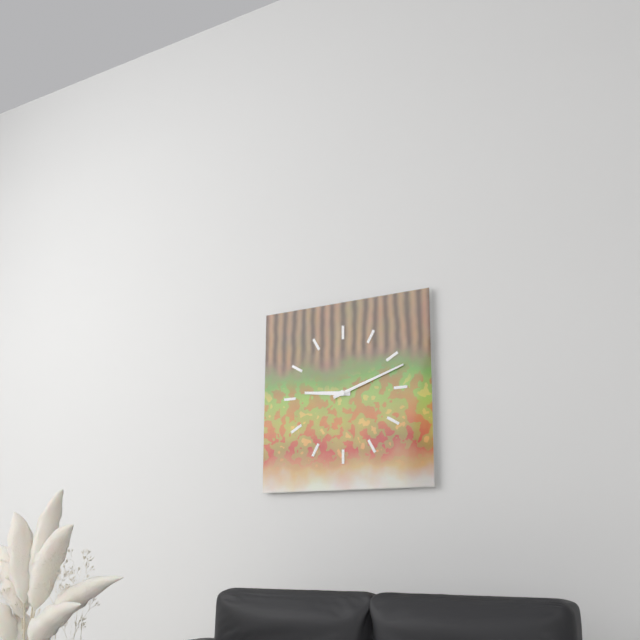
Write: 9h12
